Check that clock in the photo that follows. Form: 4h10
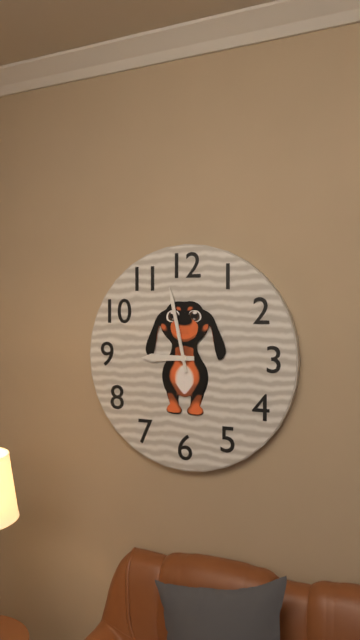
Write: 8h58
